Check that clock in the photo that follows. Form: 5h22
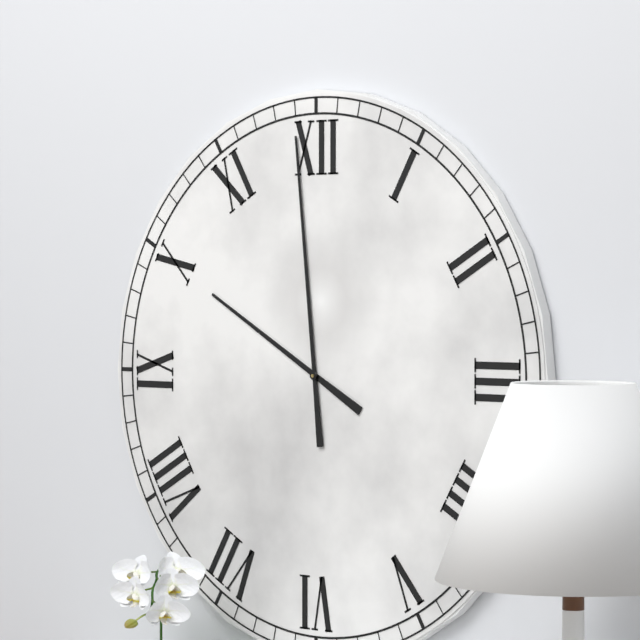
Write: 9h59
